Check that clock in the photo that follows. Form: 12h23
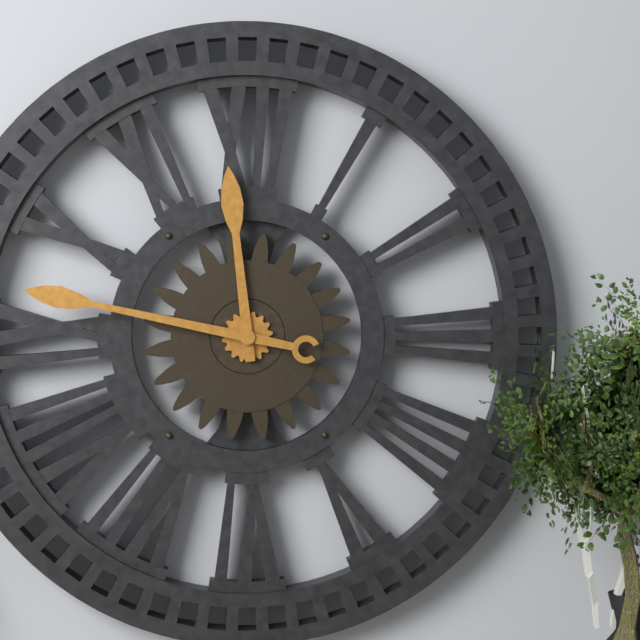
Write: 11h47
